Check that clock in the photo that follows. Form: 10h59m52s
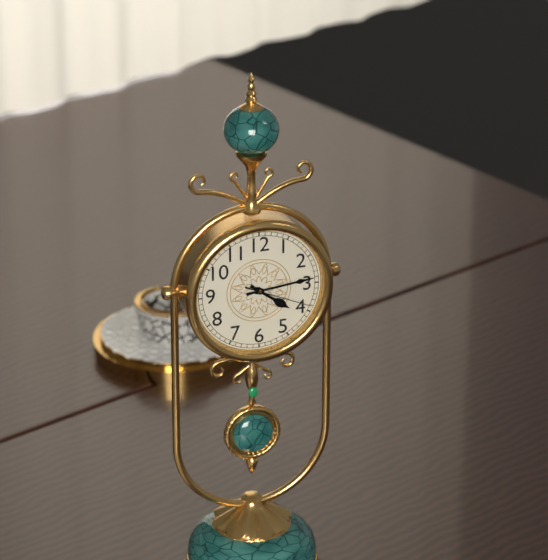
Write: 4h14m19s
